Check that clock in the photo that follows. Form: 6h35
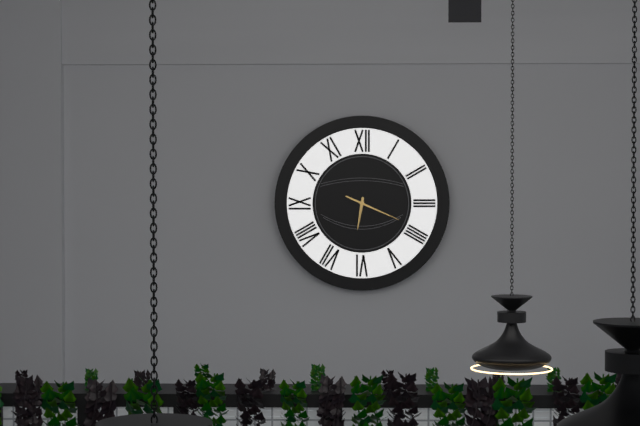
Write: 6h19
